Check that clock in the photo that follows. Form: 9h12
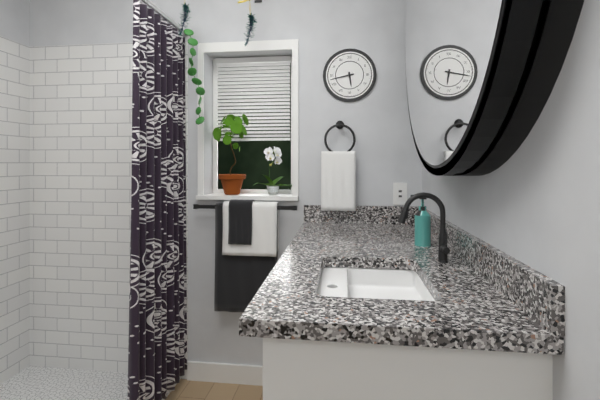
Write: 5h43
